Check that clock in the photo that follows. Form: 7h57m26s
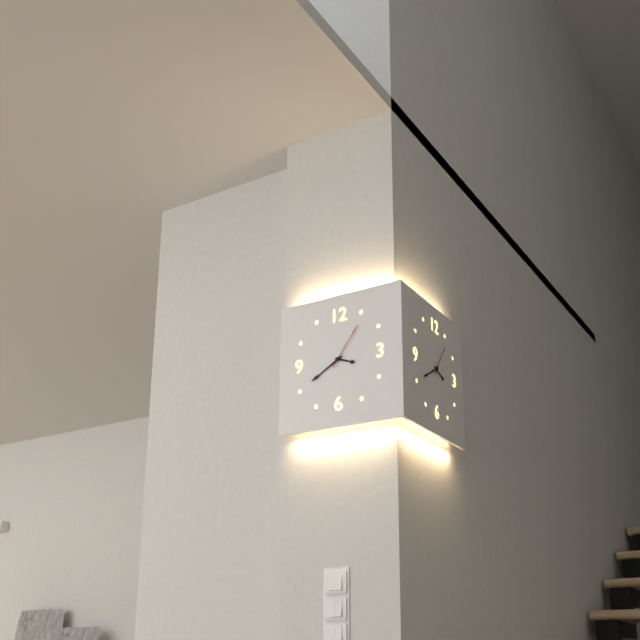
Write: 3h40m06s
